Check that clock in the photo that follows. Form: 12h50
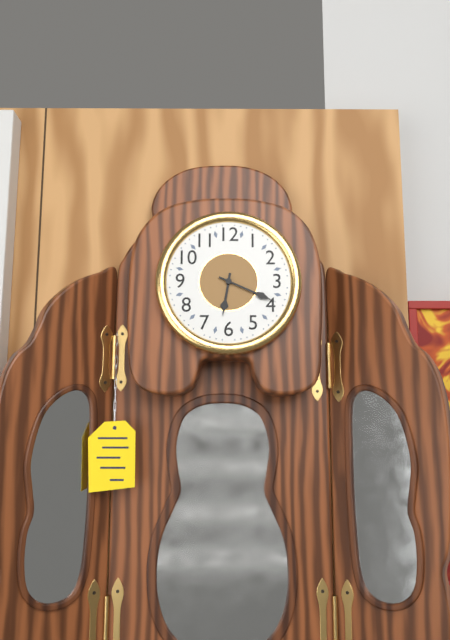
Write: 6h19
